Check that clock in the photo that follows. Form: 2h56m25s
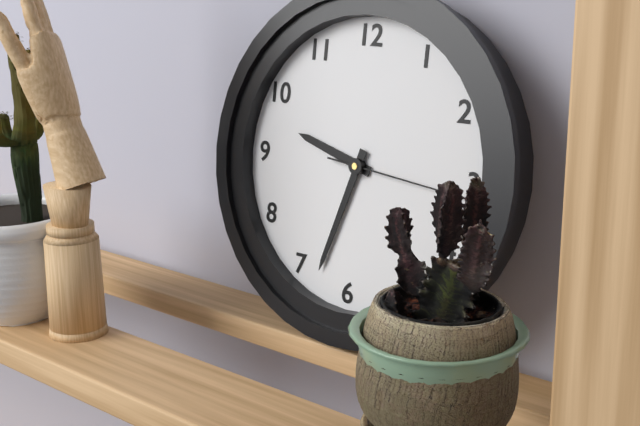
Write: 9h33m16s
